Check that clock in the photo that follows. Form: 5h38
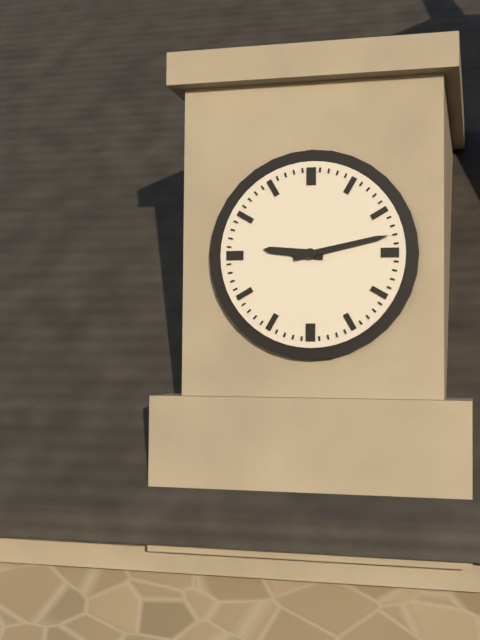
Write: 9h13
